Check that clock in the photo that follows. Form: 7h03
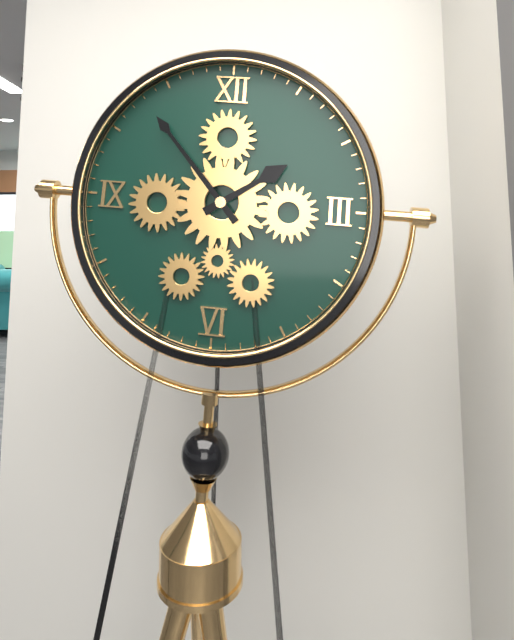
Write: 1h53
